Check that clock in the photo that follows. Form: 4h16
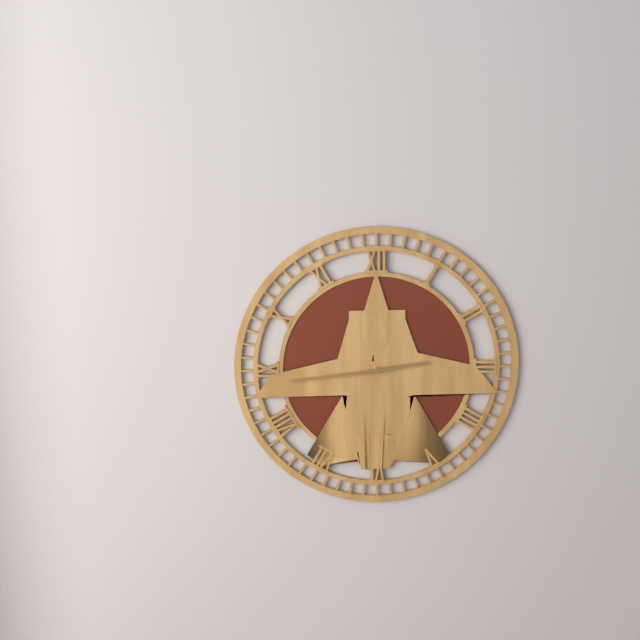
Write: 2h44
